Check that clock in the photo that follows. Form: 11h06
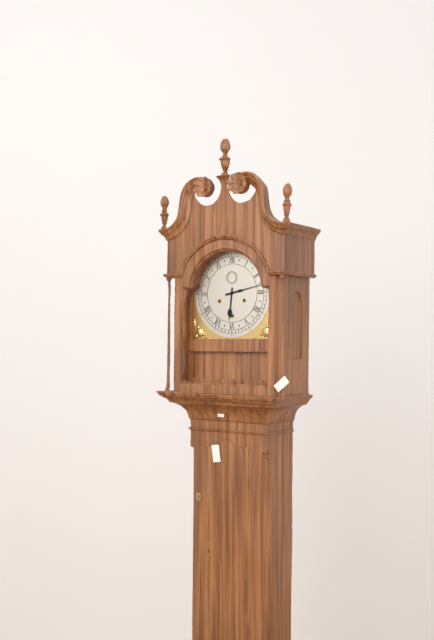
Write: 6h13
